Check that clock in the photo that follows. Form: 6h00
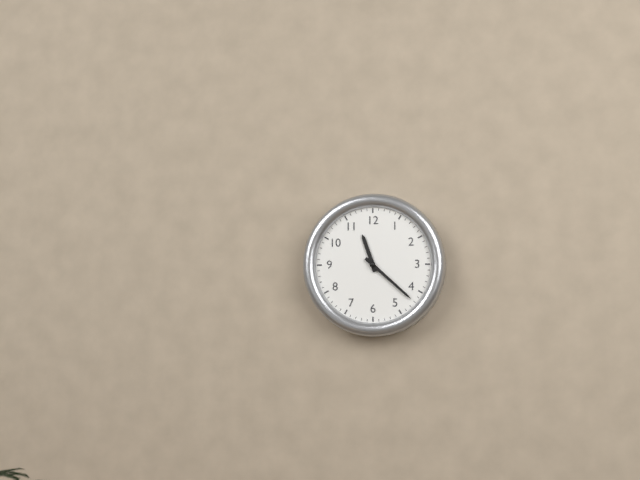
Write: 11h22
